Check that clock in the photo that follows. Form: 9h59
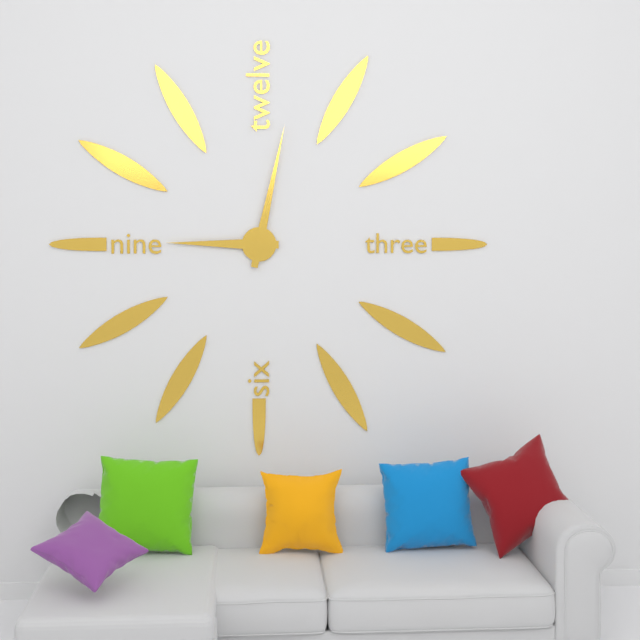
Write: 9h02
